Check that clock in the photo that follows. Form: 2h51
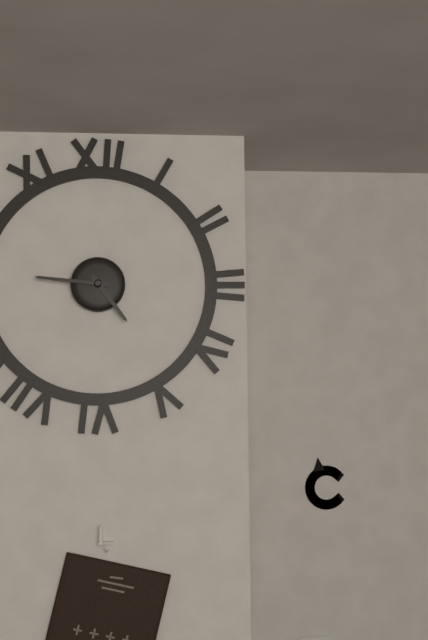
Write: 4h46
